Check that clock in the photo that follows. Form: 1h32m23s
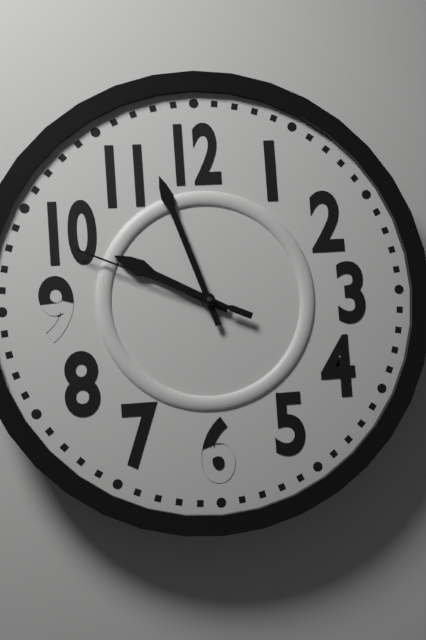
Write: 9h57m49s
